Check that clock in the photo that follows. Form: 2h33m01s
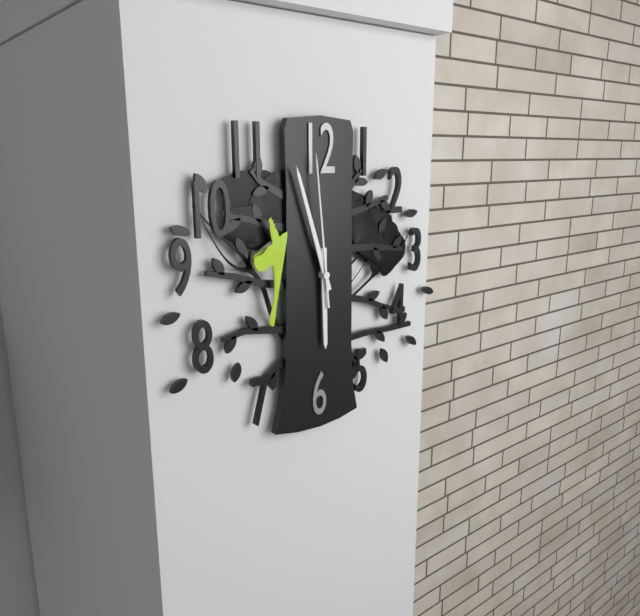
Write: 5h57m59s
